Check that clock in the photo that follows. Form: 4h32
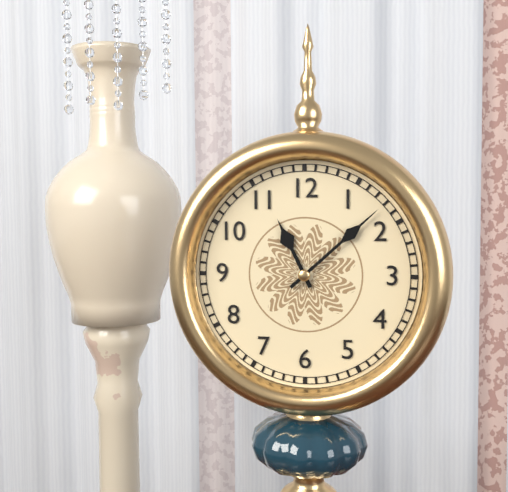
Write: 11h08
